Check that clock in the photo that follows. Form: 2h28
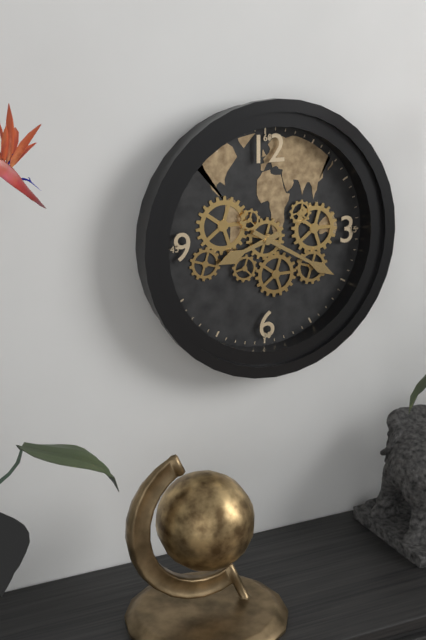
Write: 8h20
